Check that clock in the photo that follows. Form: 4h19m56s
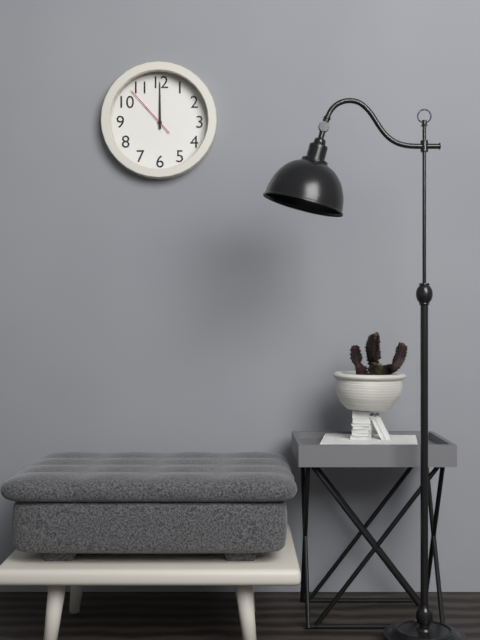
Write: 12h00m53s
